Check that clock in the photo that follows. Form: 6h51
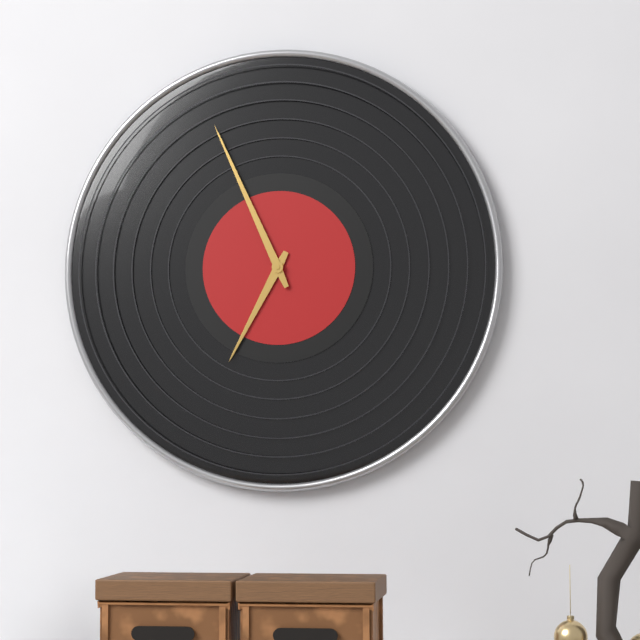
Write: 6h56
